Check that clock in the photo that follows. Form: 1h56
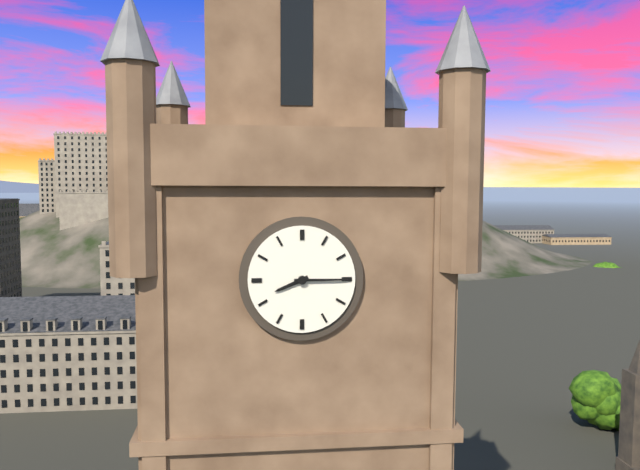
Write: 8h15
